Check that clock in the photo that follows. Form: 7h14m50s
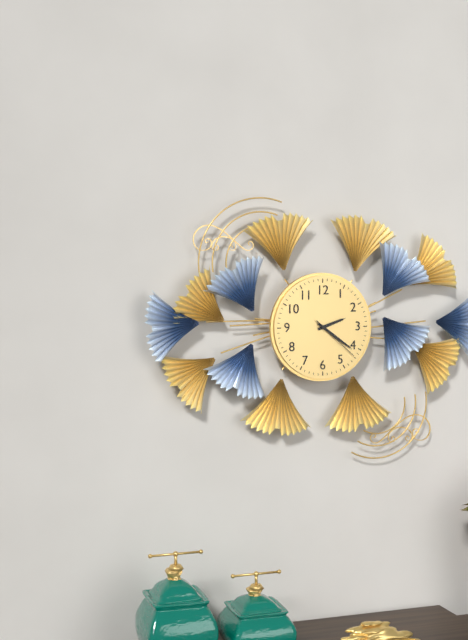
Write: 2h21m22s
